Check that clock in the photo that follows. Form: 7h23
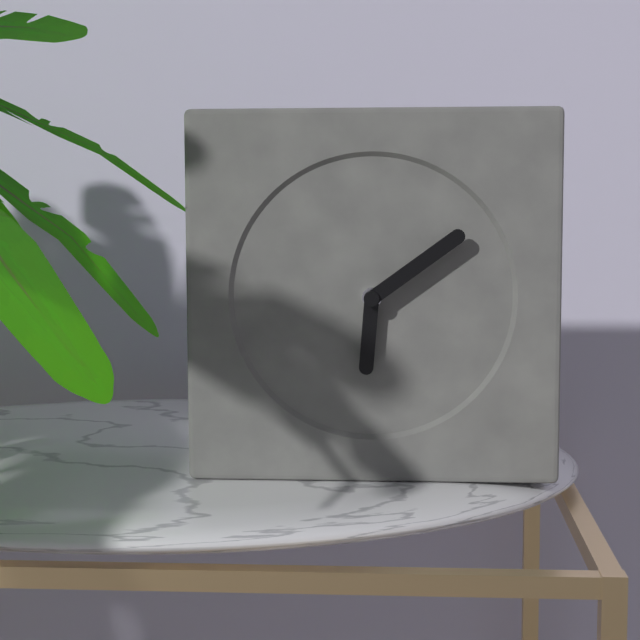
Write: 6h09
